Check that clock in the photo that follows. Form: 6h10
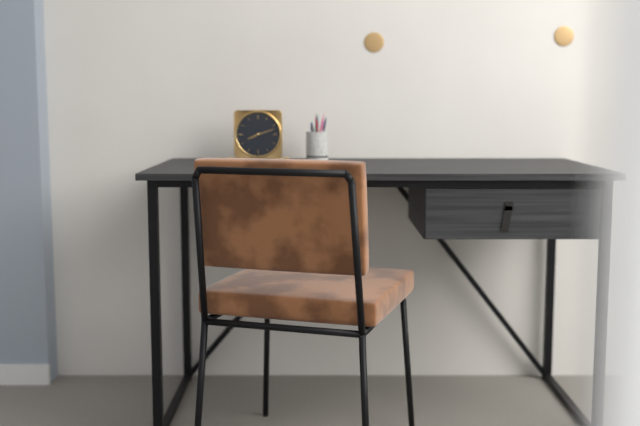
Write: 8h12
